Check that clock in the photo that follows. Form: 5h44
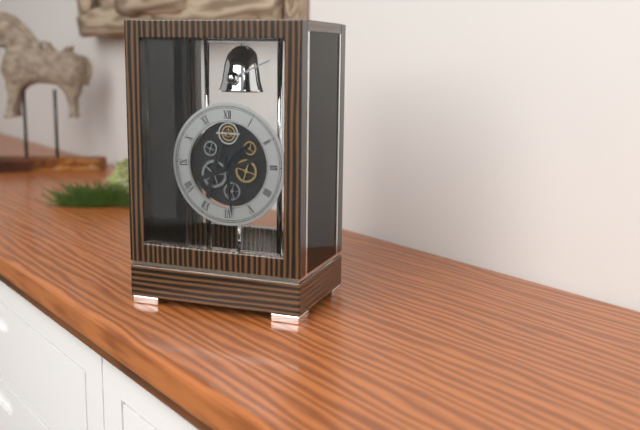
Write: 1h29
